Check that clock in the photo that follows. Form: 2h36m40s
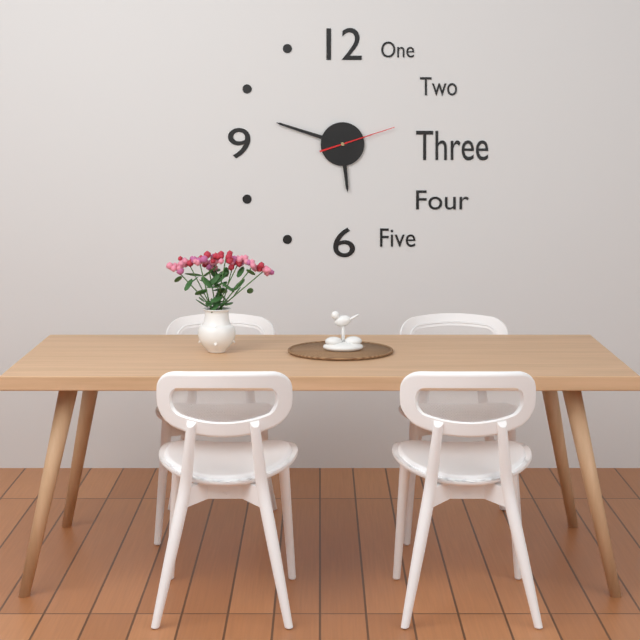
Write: 5h48m12s
